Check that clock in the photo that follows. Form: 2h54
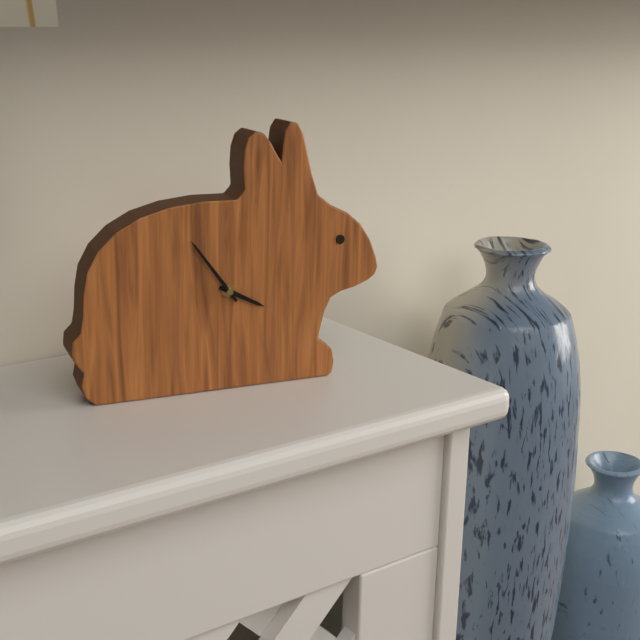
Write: 3h54
